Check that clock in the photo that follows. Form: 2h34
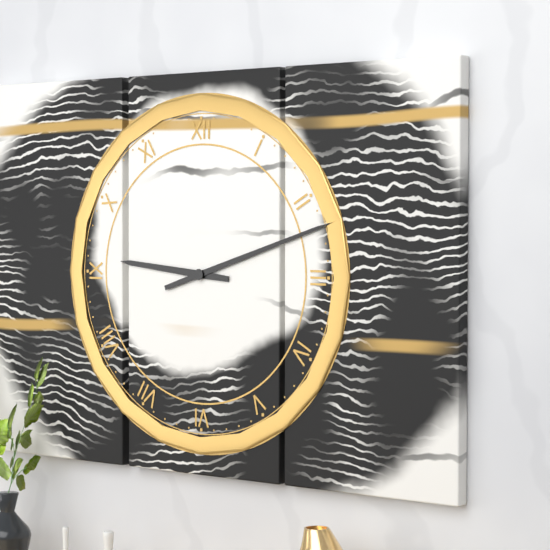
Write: 9h12
